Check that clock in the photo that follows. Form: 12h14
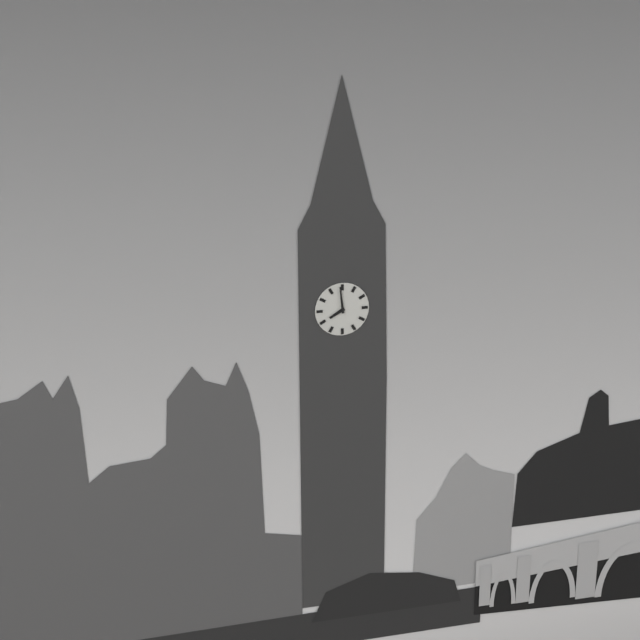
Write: 7h59
